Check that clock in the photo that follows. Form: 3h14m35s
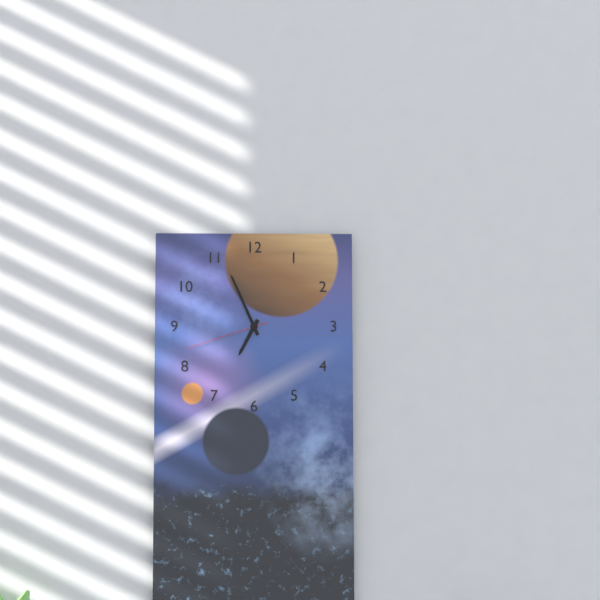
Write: 6h56m42s
